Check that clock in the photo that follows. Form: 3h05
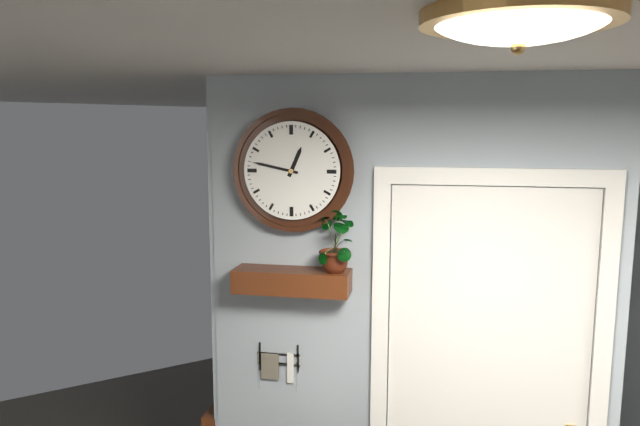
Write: 12h47
